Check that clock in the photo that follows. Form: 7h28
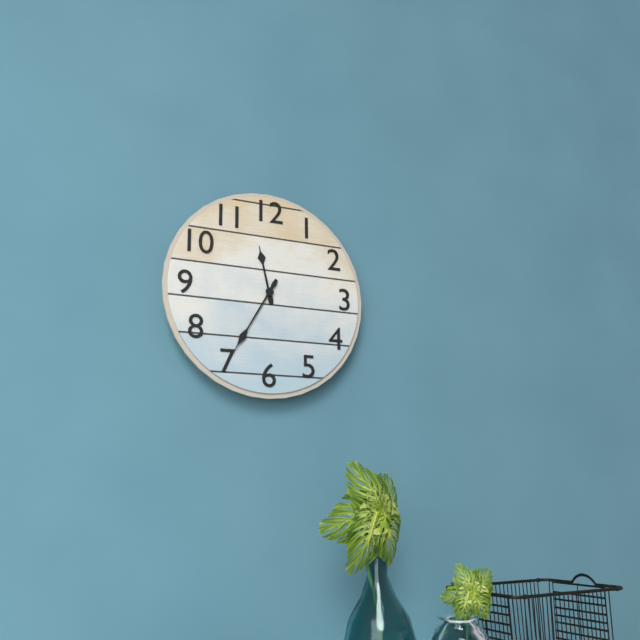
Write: 11h35
